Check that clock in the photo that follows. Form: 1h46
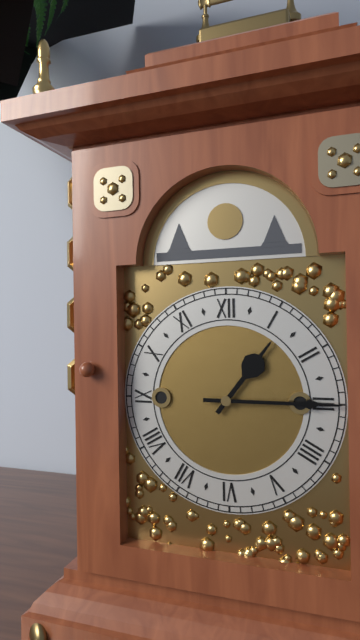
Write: 1h15
